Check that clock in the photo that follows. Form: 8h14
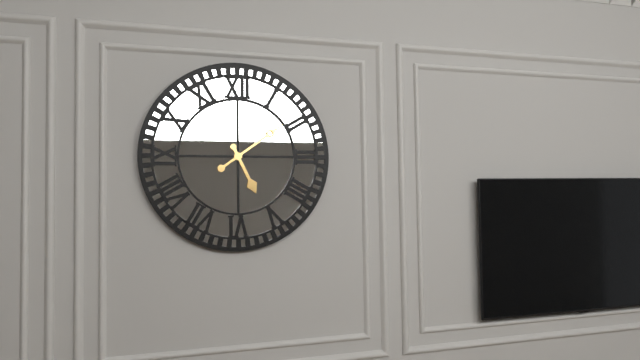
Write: 5h09
